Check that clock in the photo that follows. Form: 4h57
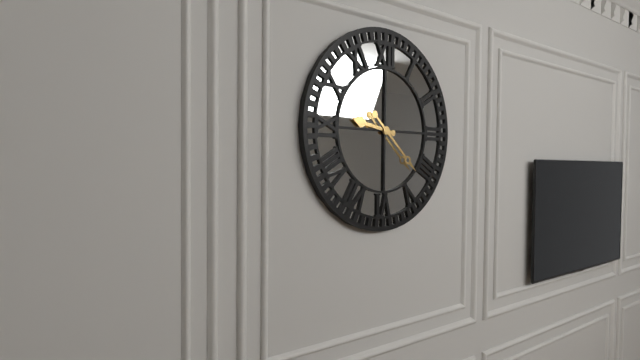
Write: 9h22
